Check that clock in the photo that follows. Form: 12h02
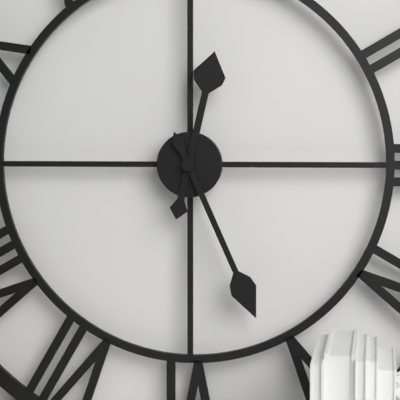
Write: 12h26
